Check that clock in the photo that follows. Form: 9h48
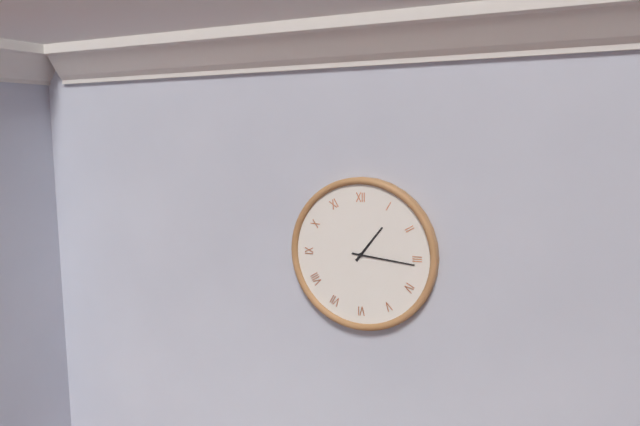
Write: 1h16
